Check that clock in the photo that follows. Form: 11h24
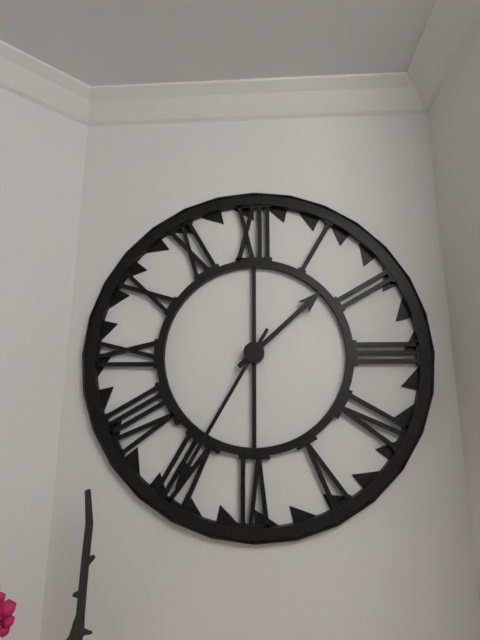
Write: 1h35
